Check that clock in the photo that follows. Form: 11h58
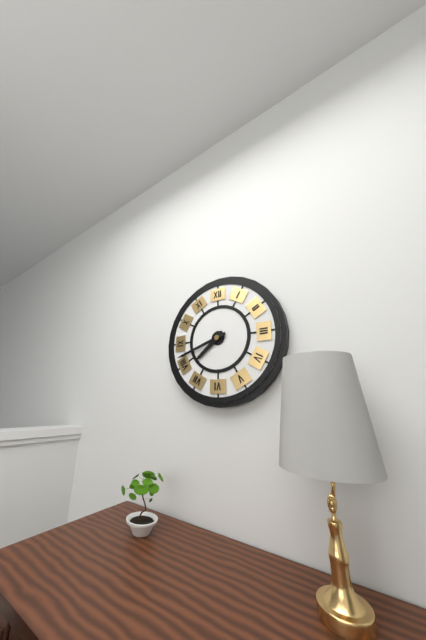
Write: 7h42
